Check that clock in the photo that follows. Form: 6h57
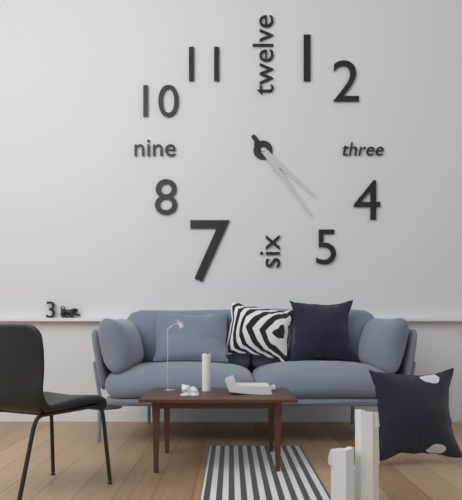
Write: 4h24
